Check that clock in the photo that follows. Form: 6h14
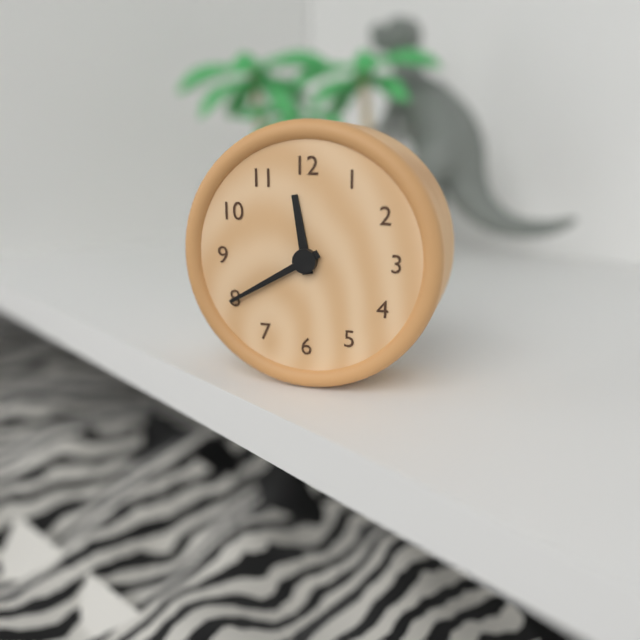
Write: 11h40
